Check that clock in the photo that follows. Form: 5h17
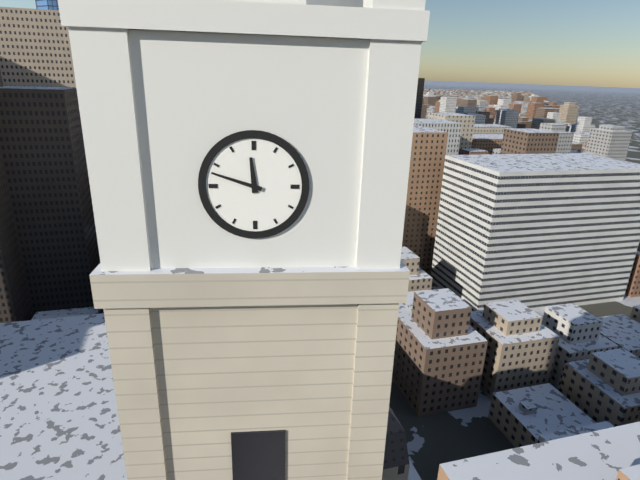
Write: 11h48
